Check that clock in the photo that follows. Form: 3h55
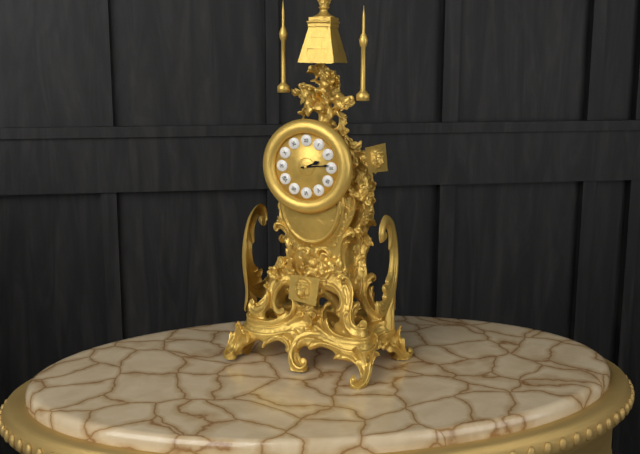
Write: 2h14
